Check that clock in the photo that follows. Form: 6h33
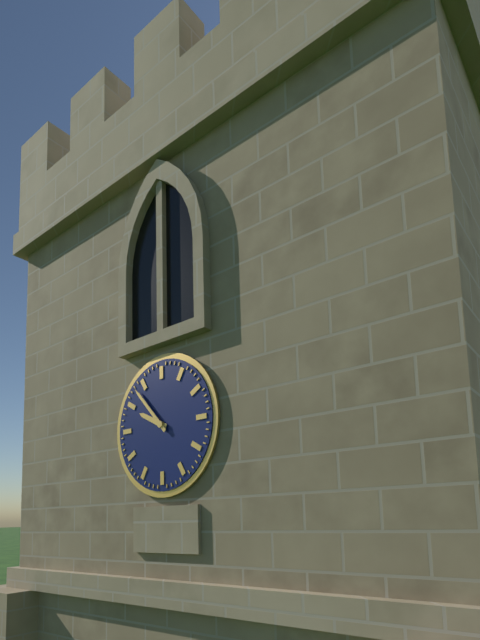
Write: 9h53
